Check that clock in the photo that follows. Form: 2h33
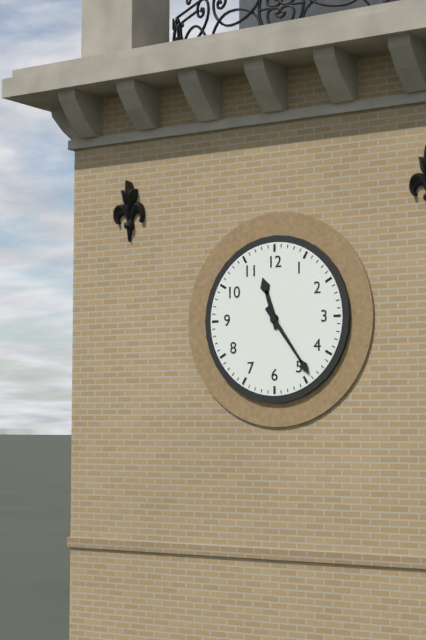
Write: 11h24
